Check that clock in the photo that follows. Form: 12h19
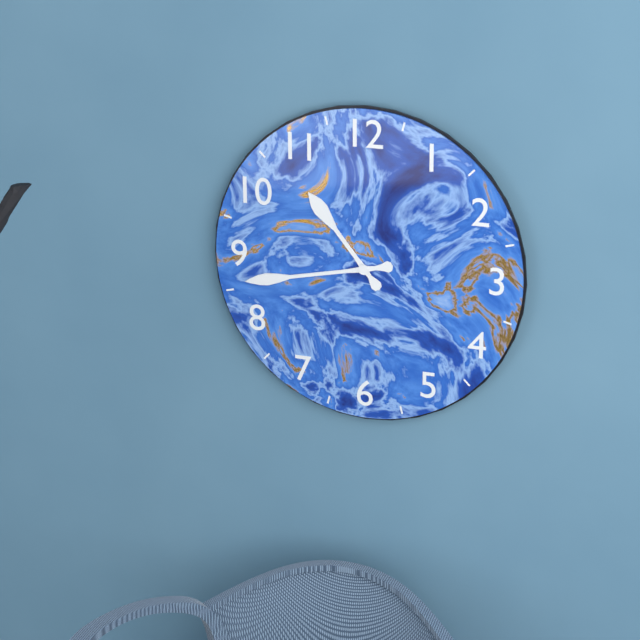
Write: 10h43
